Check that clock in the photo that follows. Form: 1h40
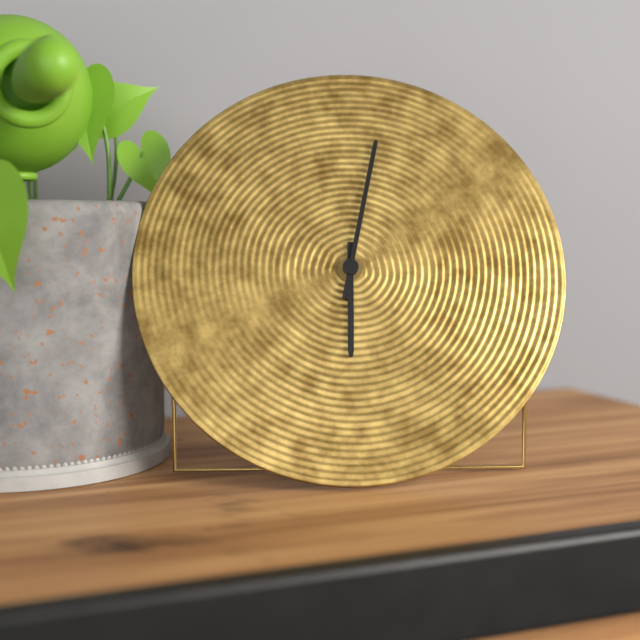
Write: 6h02
